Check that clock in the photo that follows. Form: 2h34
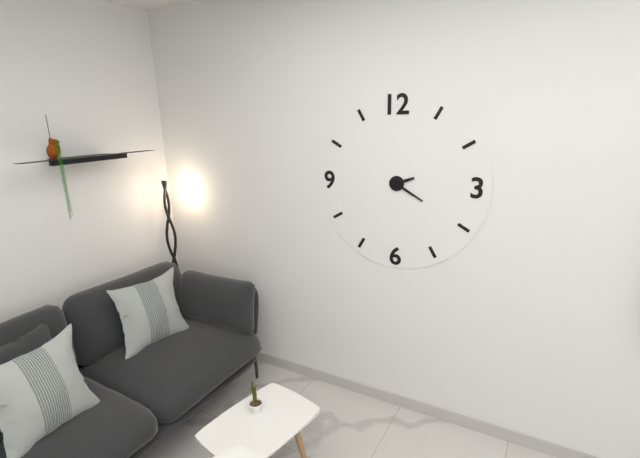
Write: 2h20
